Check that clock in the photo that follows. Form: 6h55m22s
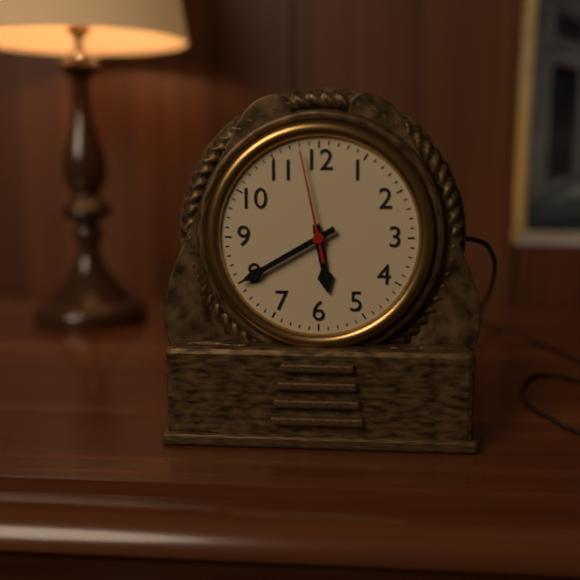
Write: 5h40m58s
